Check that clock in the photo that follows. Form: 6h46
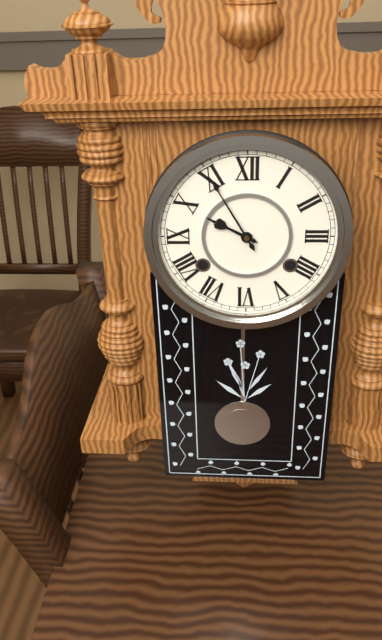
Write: 9h55
